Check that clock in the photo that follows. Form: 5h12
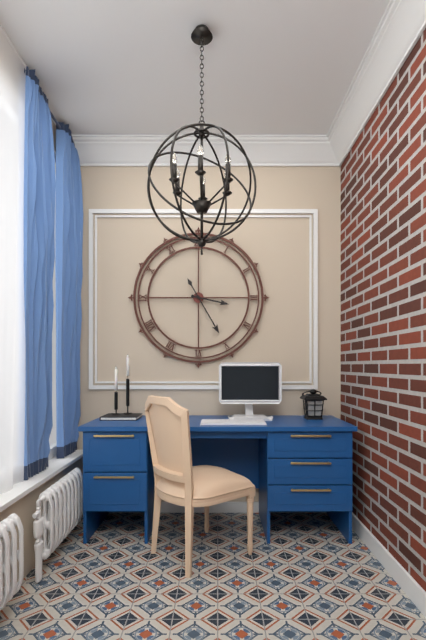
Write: 3h25
